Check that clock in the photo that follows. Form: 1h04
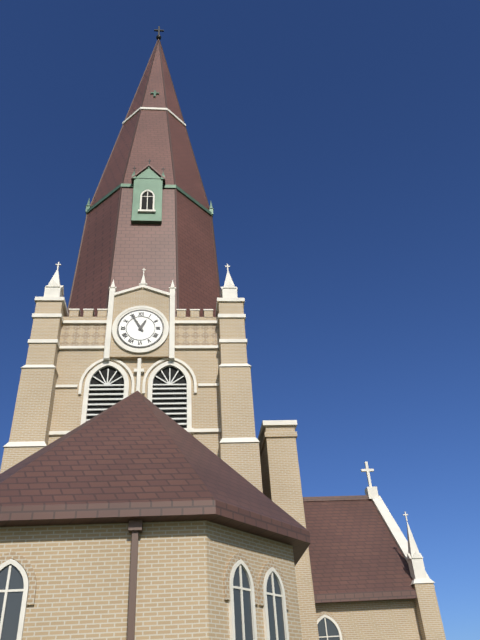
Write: 12h55
